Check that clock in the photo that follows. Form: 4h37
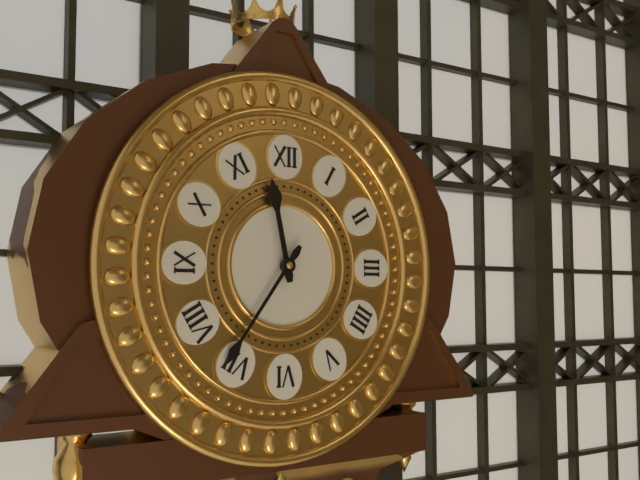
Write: 11h36
